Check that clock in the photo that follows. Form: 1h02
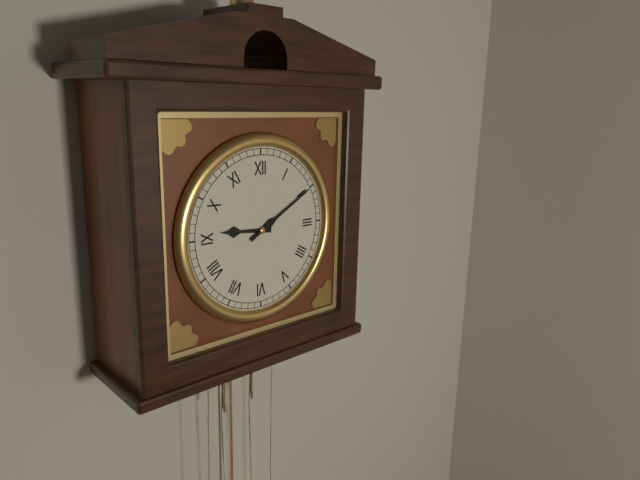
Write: 9h10
